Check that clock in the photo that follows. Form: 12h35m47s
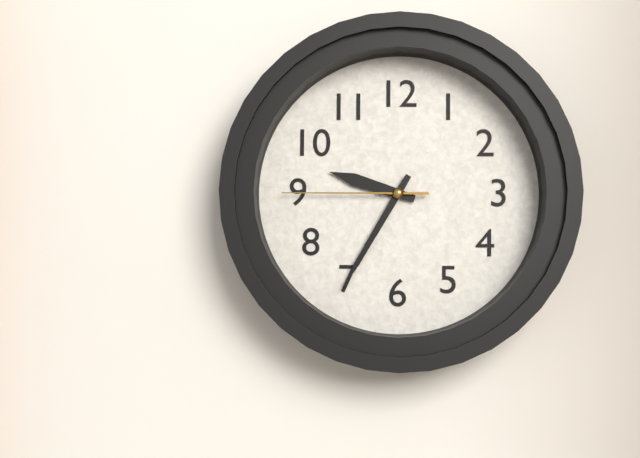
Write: 9h35m45s
